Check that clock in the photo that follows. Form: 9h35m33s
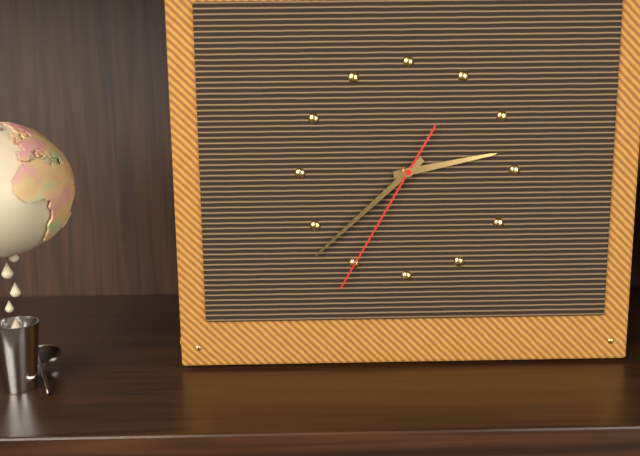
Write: 2h38m35s
